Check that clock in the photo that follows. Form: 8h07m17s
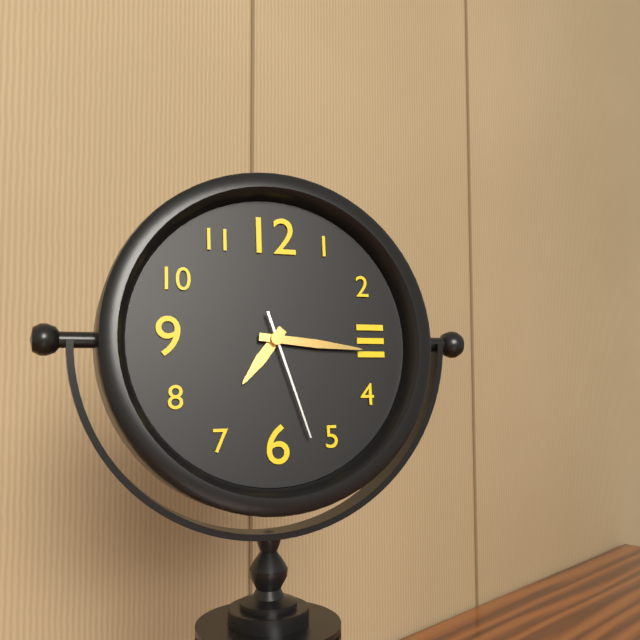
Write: 7h16m27s
